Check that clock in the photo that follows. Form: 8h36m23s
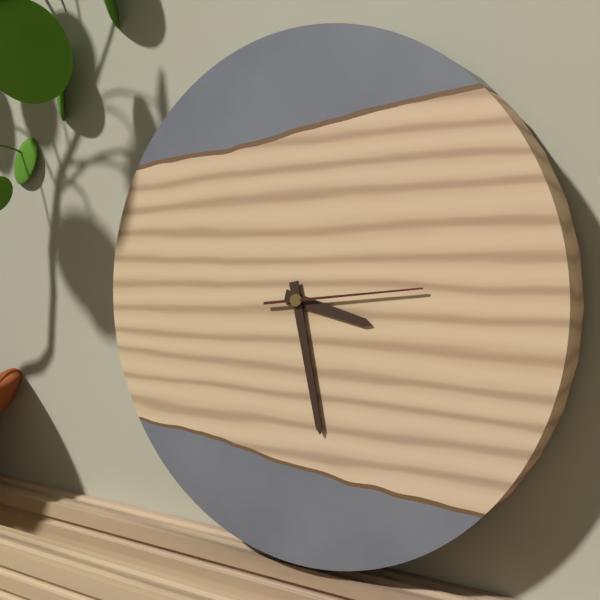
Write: 3h28m14s
